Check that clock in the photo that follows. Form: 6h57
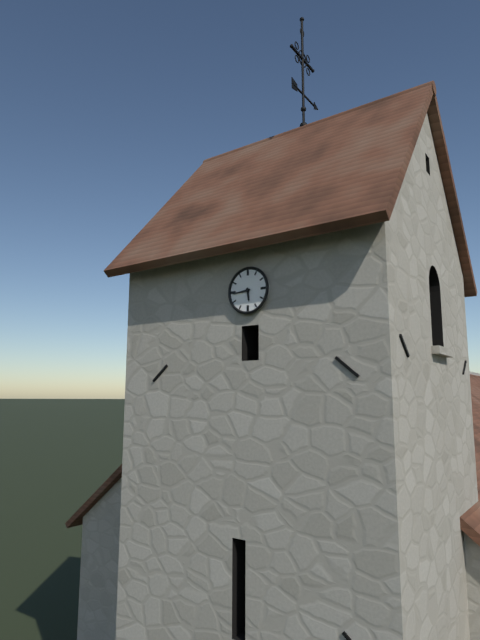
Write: 5h44
